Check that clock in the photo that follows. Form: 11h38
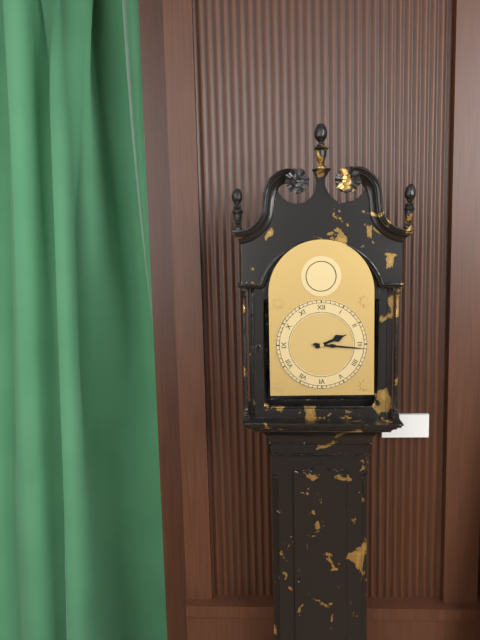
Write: 2h16
